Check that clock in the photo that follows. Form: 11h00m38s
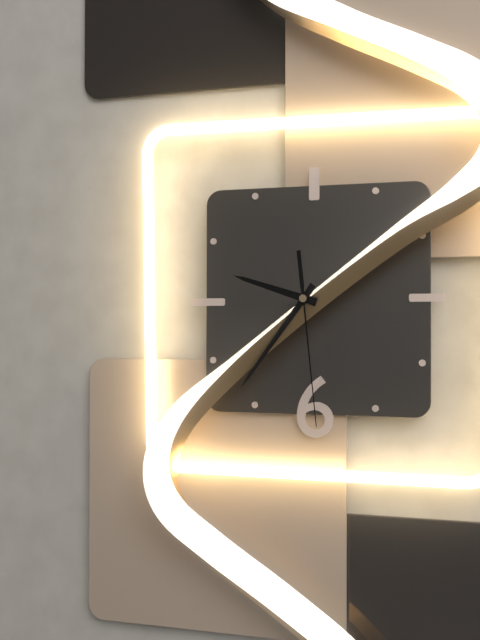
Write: 9h36m29s
